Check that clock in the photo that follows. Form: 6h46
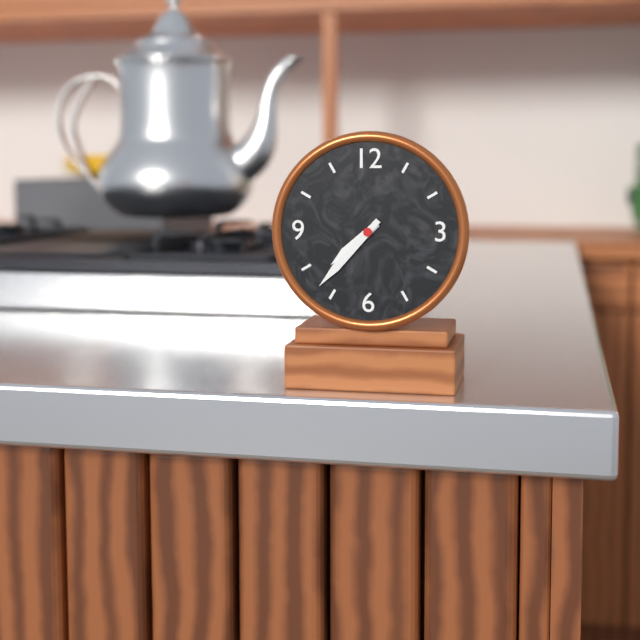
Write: 7h37
